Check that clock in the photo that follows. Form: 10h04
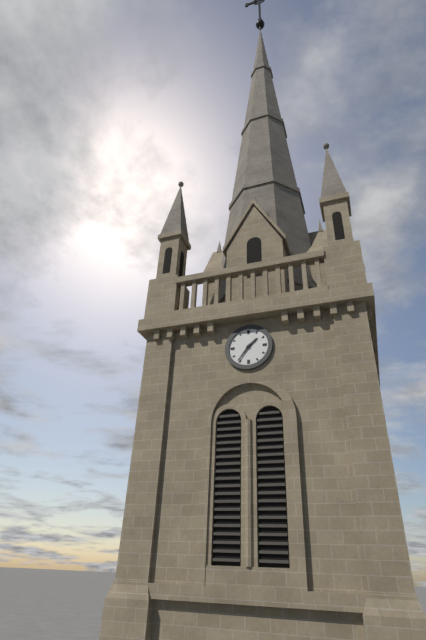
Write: 1h36
